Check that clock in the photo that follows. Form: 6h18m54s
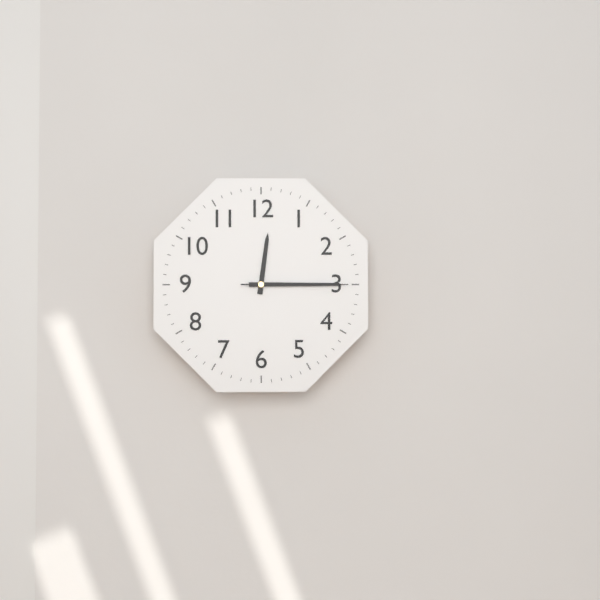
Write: 12h15m15s
